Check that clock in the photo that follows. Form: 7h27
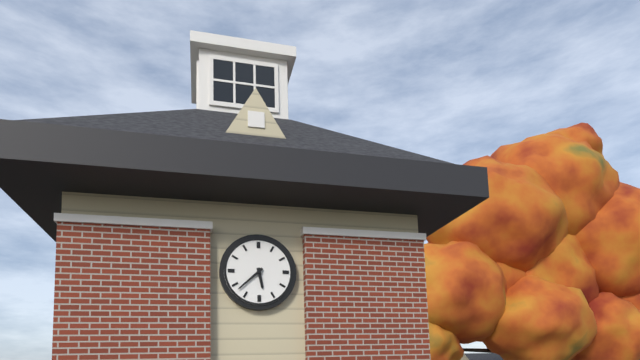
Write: 5h38
